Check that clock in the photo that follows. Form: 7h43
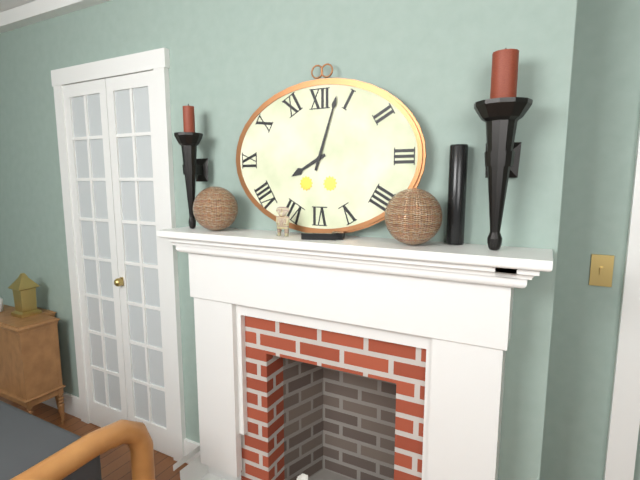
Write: 8h03
